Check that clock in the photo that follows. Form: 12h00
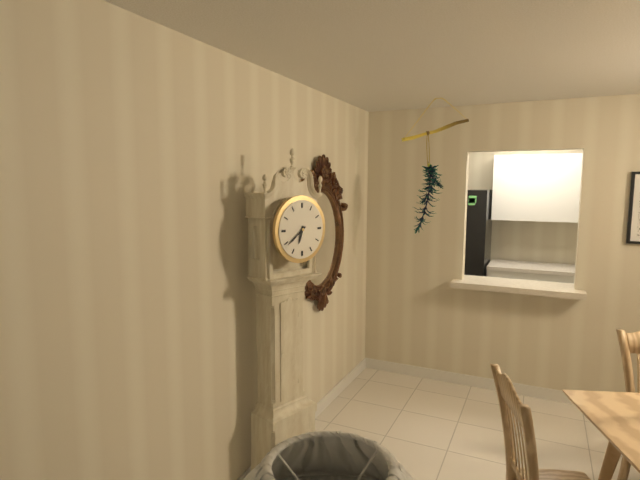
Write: 6h39
